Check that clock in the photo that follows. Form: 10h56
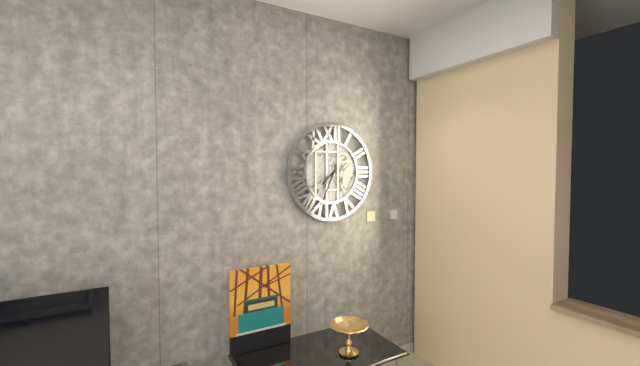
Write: 7h34
